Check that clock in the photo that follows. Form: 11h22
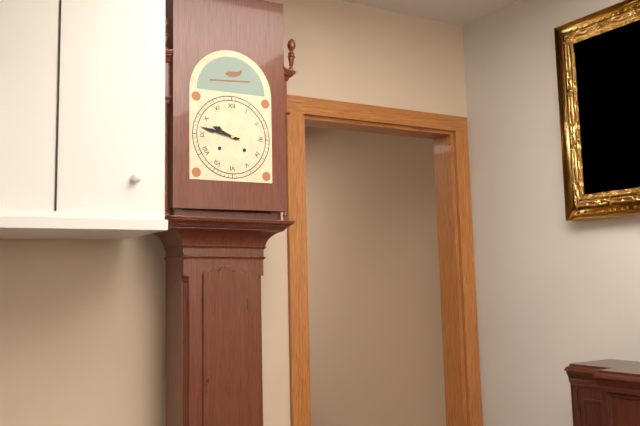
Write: 9h47
